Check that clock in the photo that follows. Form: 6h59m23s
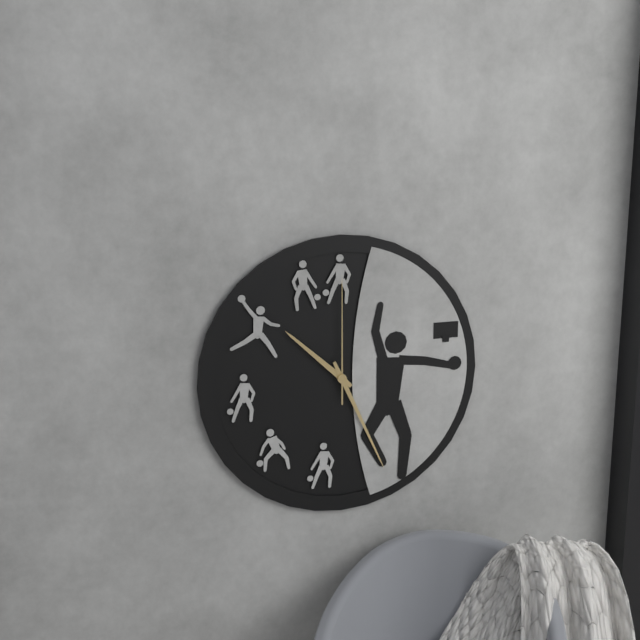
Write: 10h26m00s
